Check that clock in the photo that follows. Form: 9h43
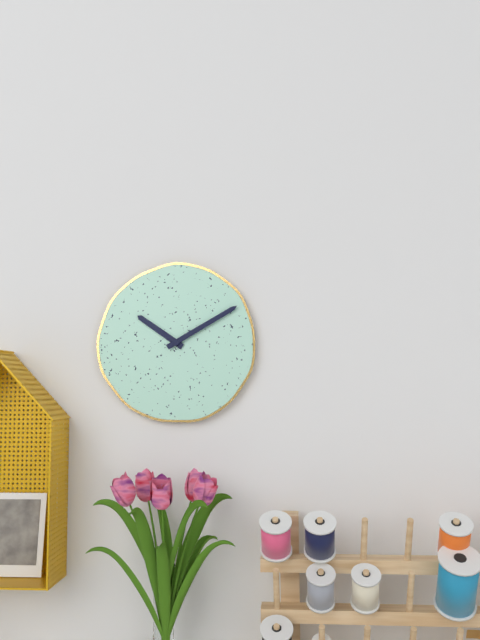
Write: 10h10
